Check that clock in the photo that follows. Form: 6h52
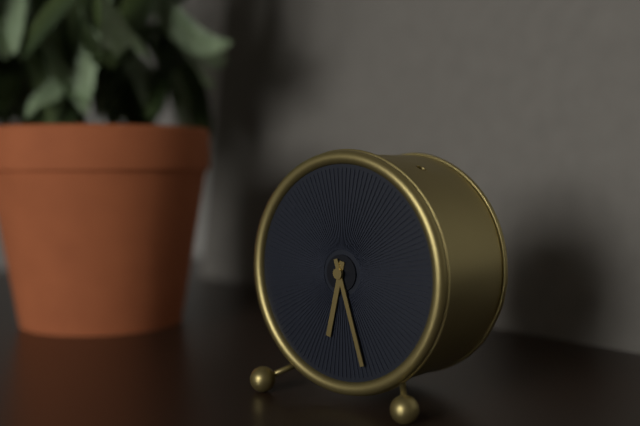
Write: 6h27
